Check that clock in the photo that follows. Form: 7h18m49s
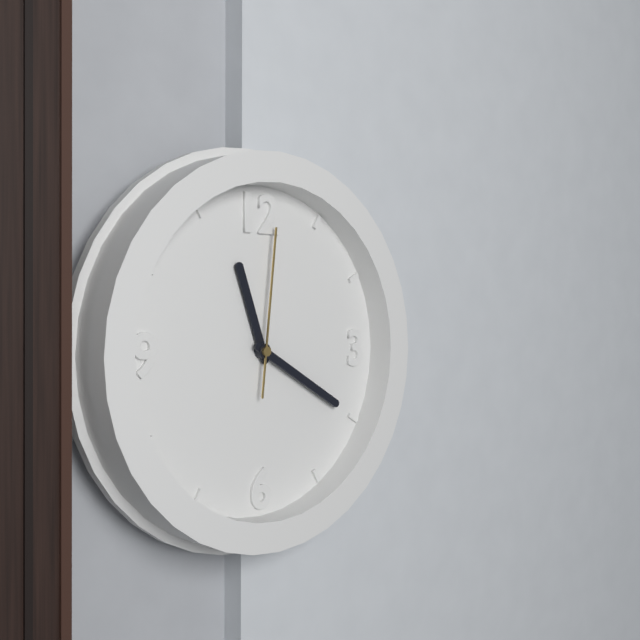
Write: 11h20m01s
